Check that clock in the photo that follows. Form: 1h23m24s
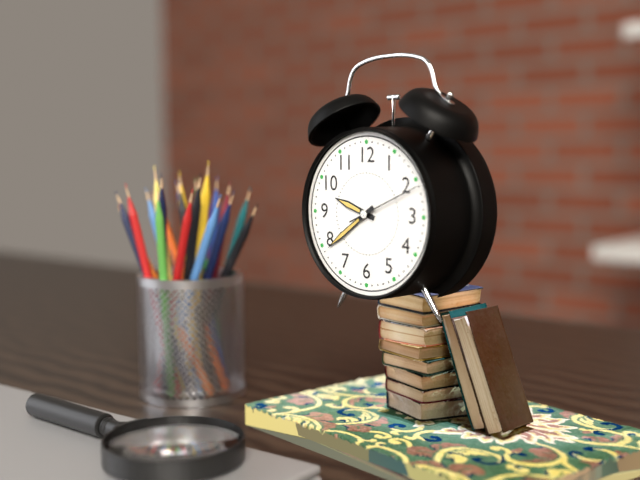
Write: 9h39m11s
